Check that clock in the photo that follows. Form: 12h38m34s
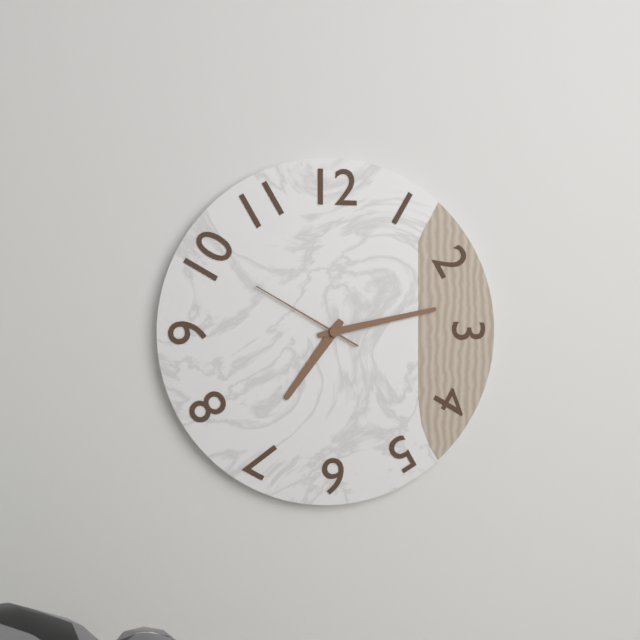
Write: 7h13m50s
